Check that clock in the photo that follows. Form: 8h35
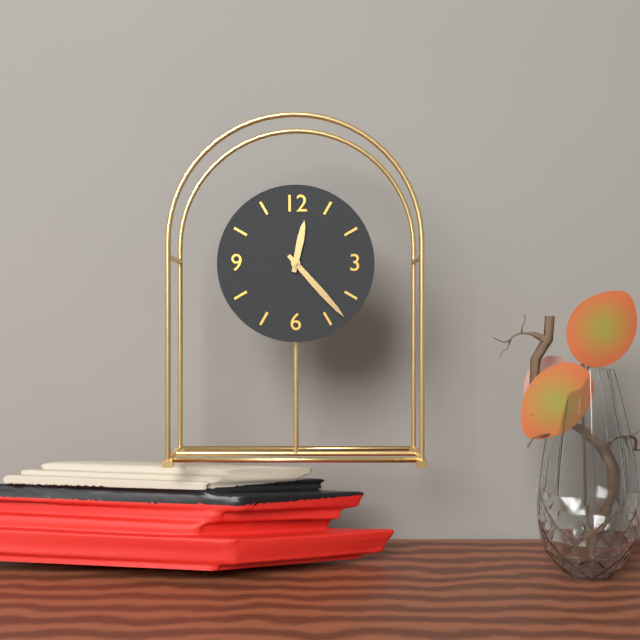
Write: 12h23
